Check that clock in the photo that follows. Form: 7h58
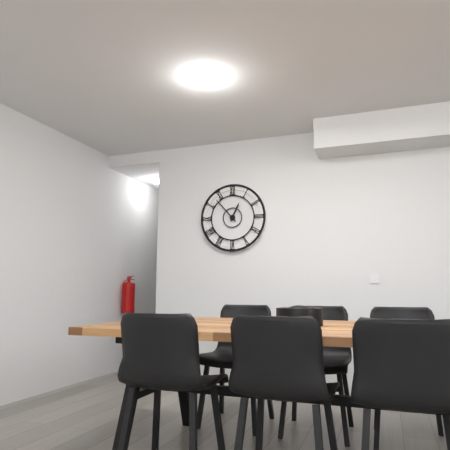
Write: 12h53
